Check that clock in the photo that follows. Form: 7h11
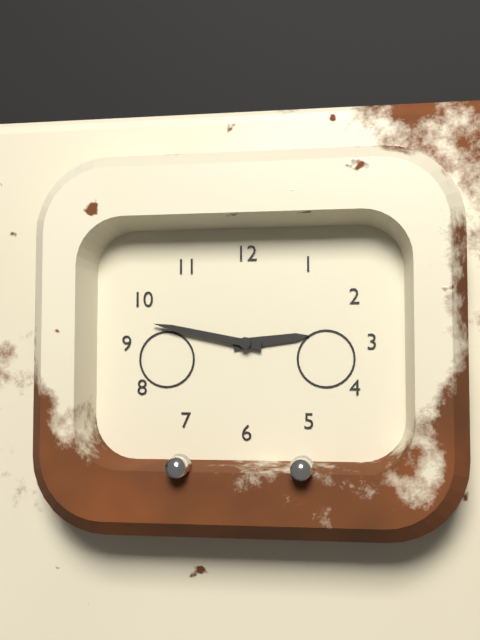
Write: 2h47
